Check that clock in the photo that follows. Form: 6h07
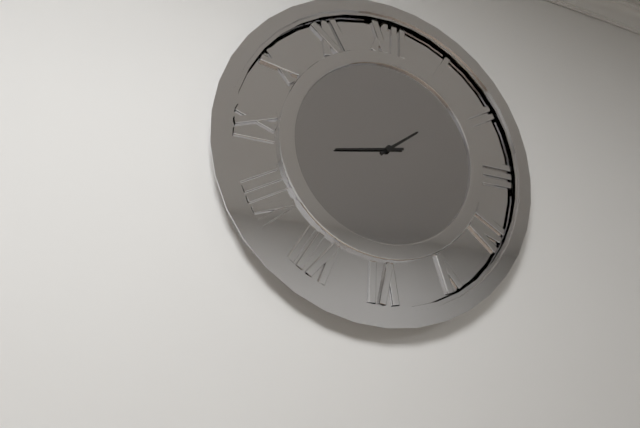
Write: 1h43
